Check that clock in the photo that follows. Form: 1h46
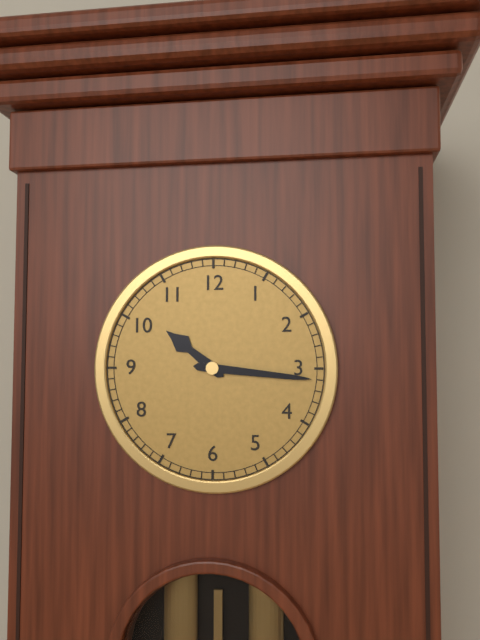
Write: 10h16
